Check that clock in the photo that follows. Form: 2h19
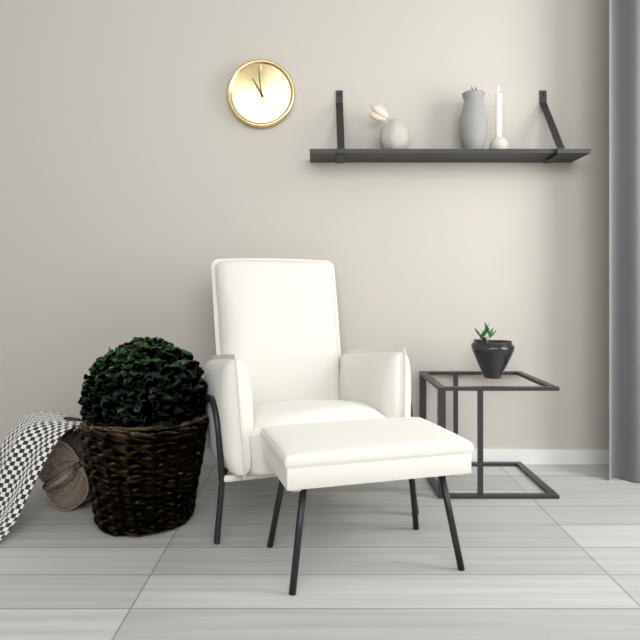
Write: 10h59
